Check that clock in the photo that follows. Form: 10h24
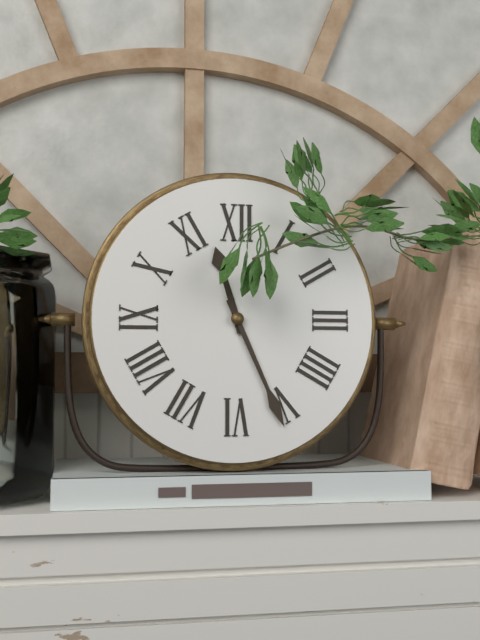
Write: 11h26
